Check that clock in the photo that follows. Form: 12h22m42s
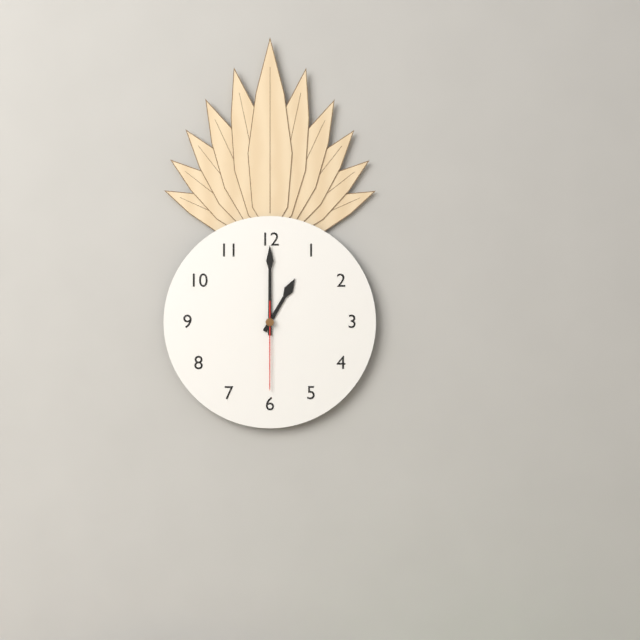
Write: 1h00m30s
